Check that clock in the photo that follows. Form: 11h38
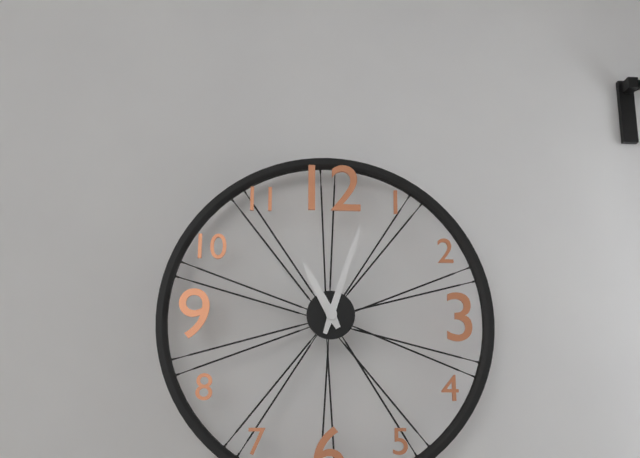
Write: 11h03
